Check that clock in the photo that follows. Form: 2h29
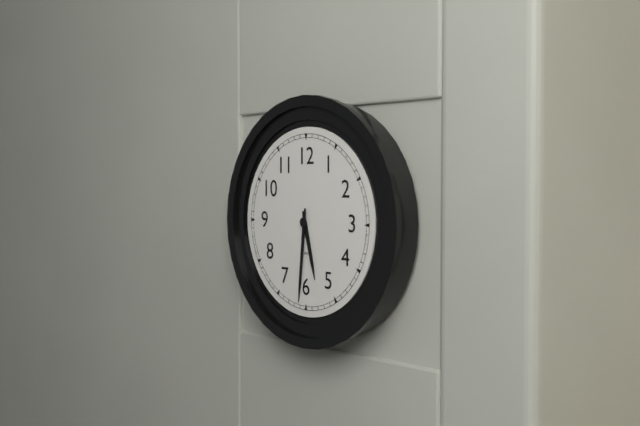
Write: 5h31
